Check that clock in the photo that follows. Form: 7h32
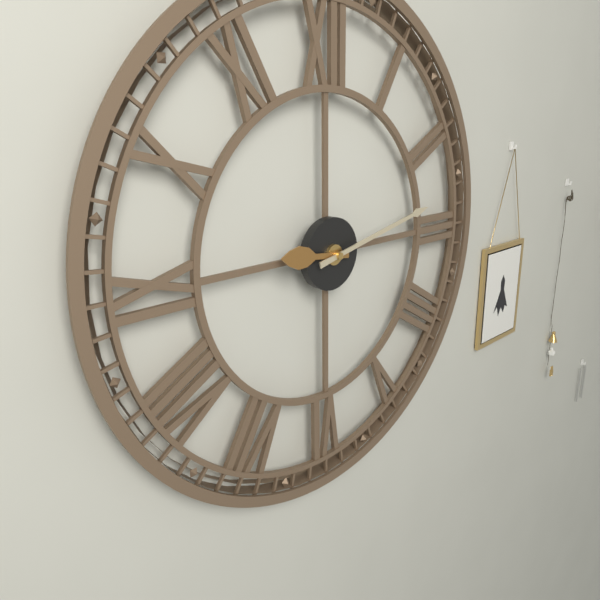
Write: 9h13
